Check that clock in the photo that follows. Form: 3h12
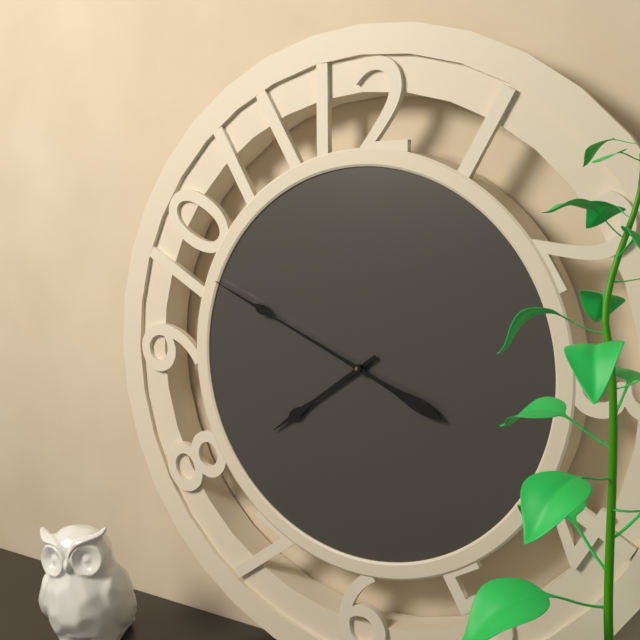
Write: 7h49
